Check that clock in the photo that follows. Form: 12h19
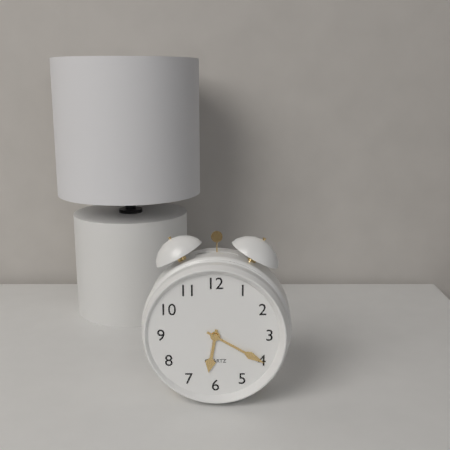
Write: 6h20
